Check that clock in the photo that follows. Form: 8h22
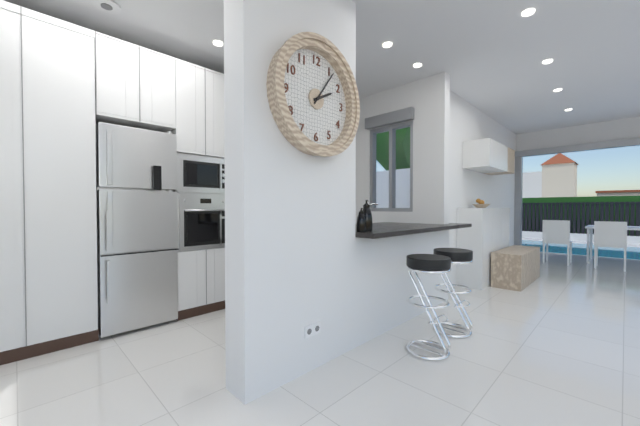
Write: 2h06
